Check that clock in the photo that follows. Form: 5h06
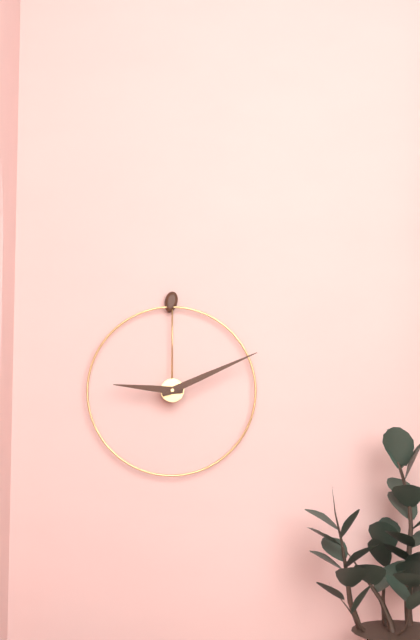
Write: 9h11
